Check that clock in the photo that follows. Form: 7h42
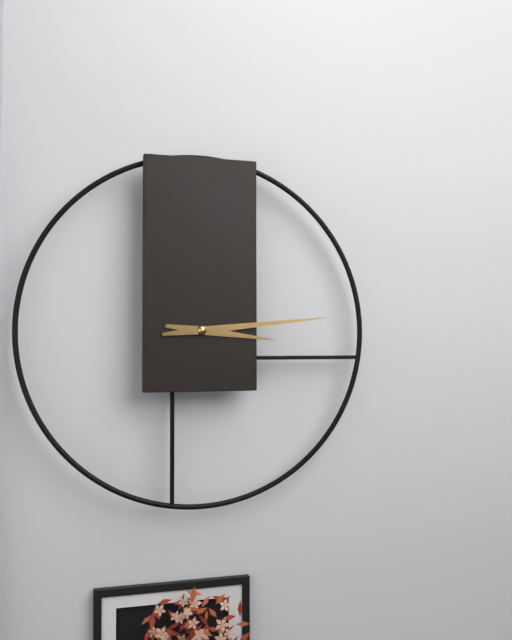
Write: 3h14
